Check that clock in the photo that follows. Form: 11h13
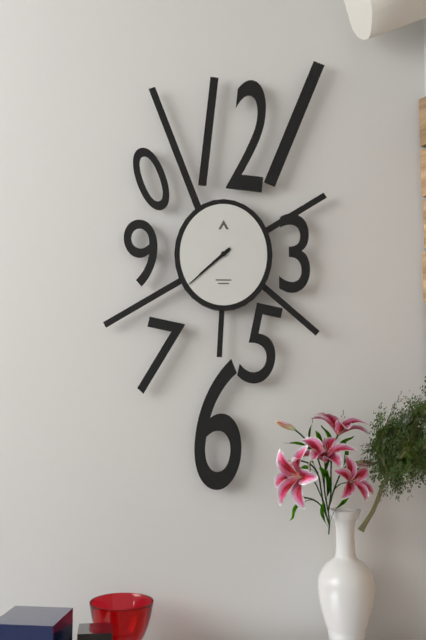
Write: 7h38
